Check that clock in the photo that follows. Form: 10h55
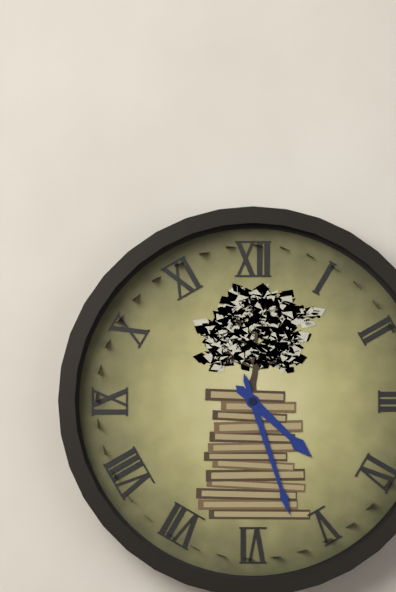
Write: 4h27
